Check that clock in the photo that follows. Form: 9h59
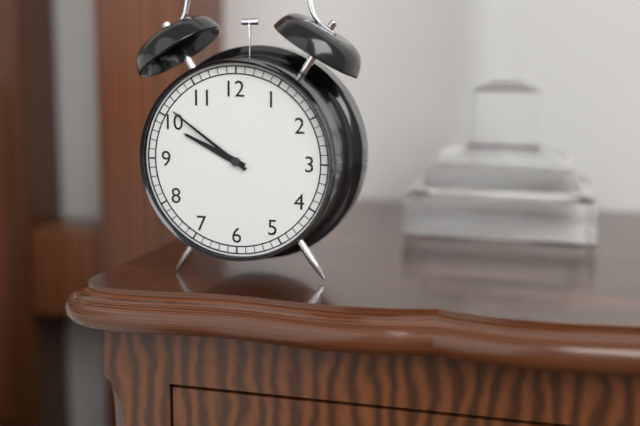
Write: 9h51
